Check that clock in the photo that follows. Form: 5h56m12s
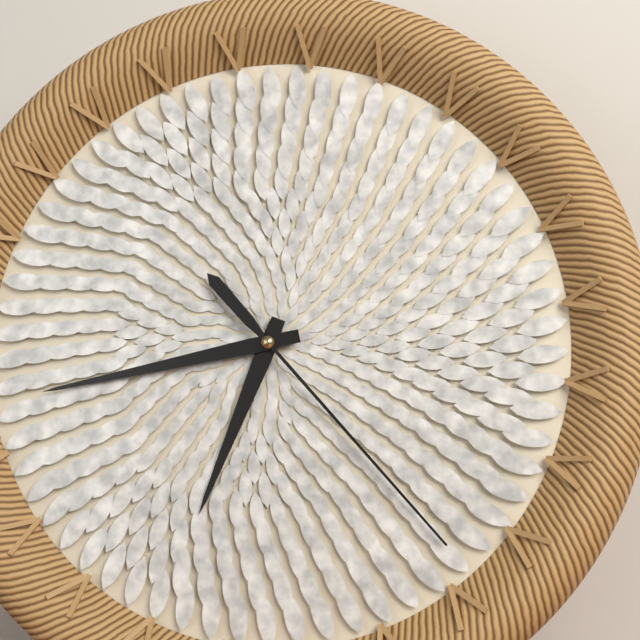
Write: 6h43m23s
